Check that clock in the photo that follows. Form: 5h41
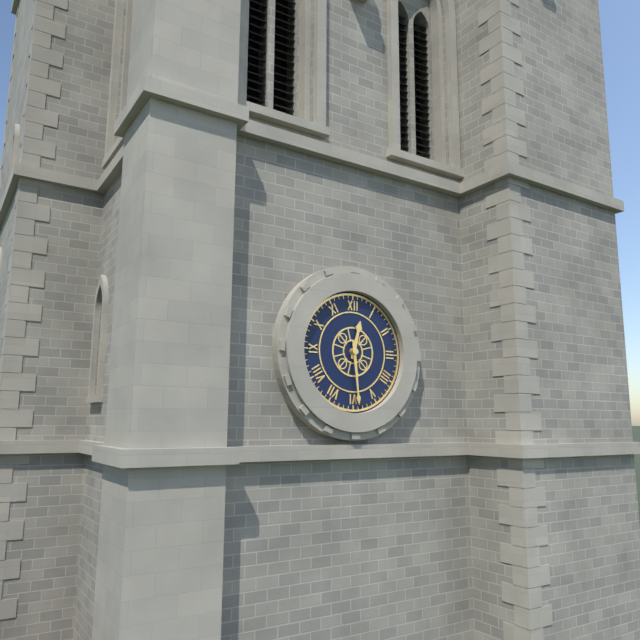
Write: 12h29
